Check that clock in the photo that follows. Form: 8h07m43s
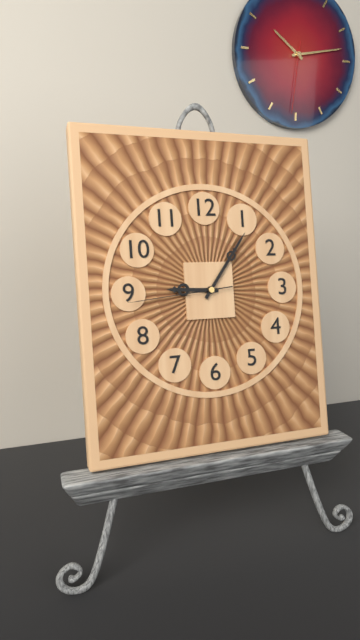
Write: 9h06m44s
